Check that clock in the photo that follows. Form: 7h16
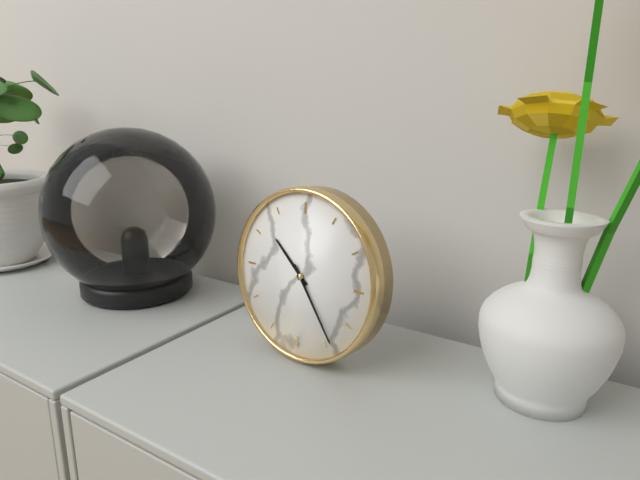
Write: 10h24
